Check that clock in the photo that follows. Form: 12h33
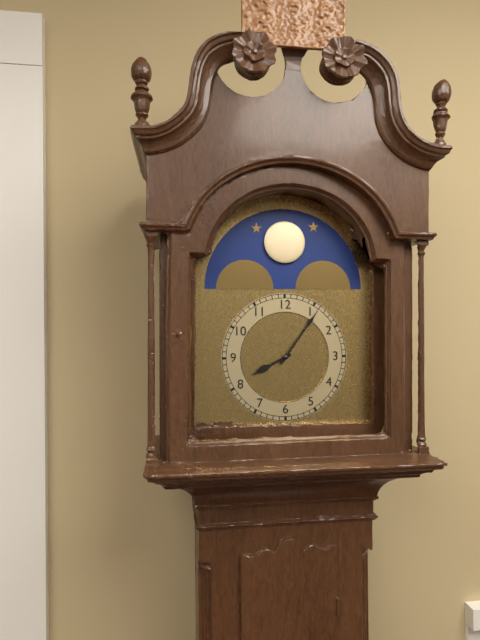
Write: 8h06
